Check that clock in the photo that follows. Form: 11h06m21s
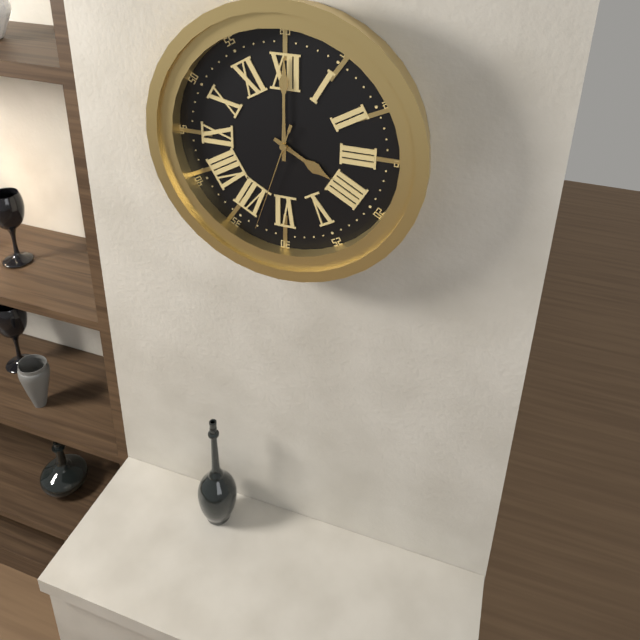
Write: 4h00m33s
